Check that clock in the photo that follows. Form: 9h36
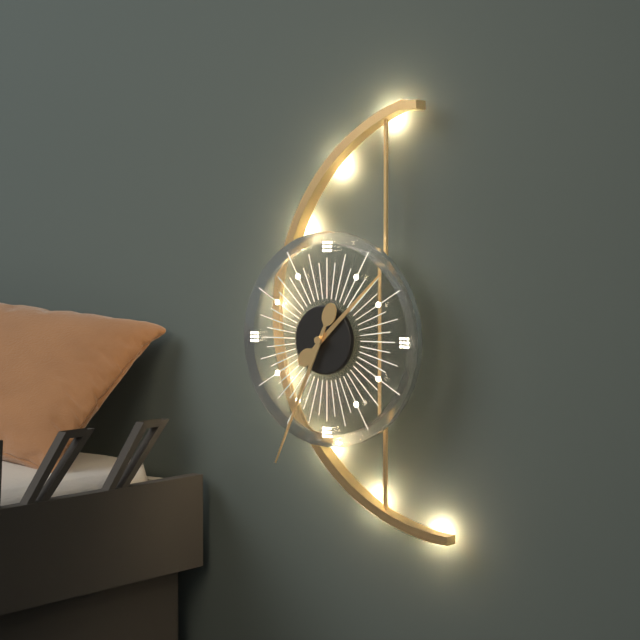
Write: 1h34
